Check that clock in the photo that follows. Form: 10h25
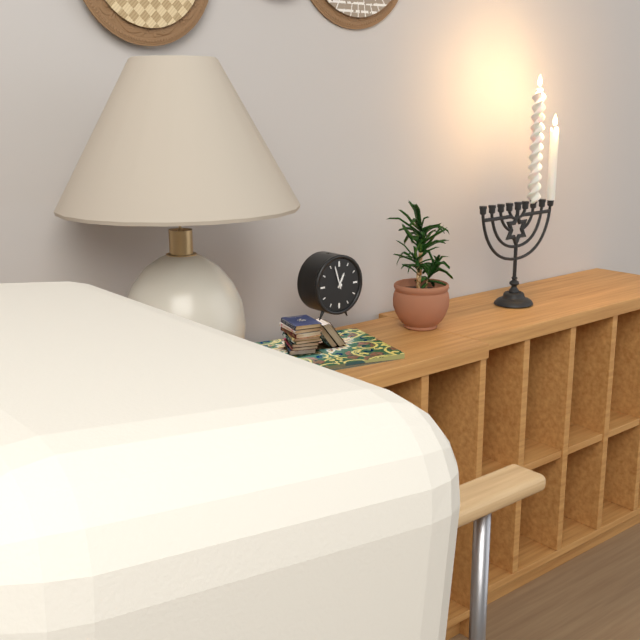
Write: 12h57
